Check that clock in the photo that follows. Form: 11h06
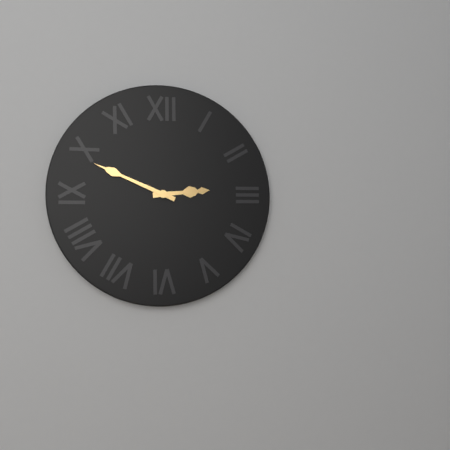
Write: 2h49
